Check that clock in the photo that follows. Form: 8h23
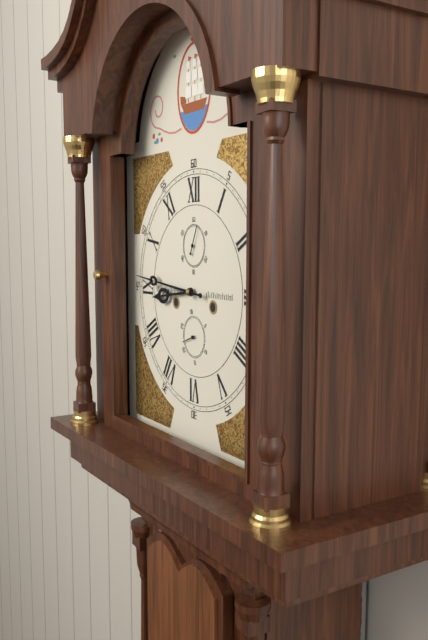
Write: 8h46
